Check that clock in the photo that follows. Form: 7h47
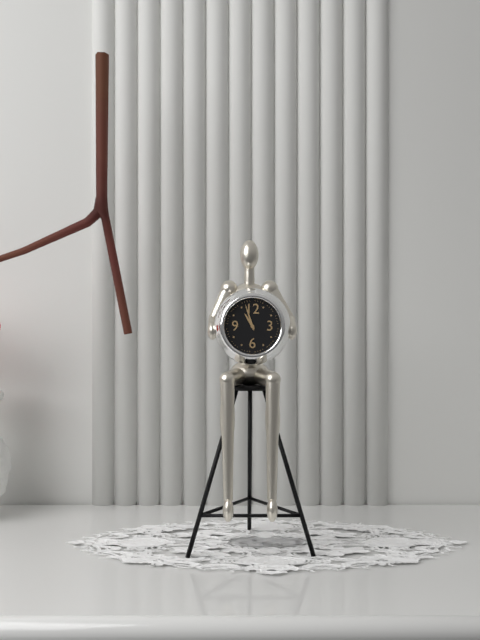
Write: 10h57
